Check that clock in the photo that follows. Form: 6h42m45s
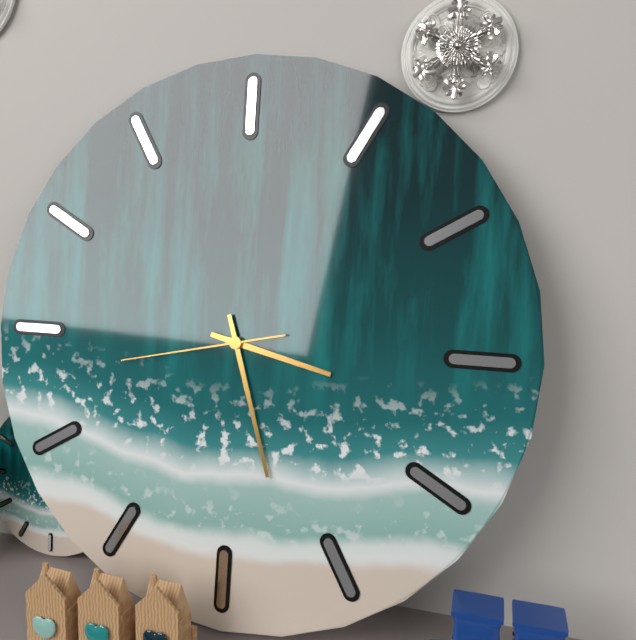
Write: 3h27m43s
